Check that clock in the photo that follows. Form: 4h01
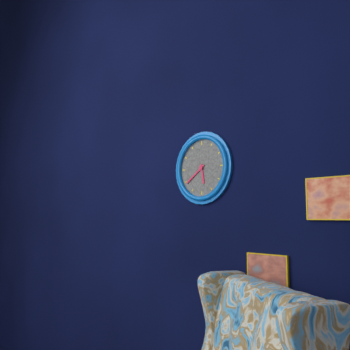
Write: 5h39
